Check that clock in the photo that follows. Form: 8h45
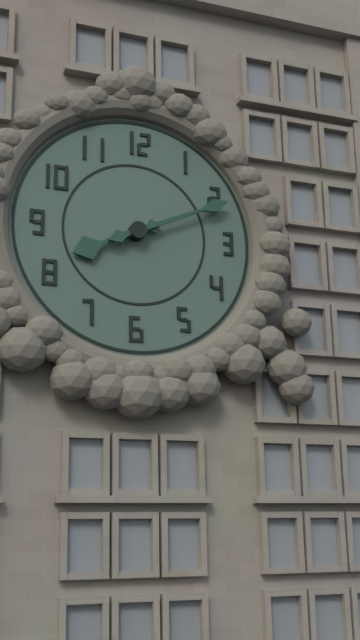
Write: 8h11
